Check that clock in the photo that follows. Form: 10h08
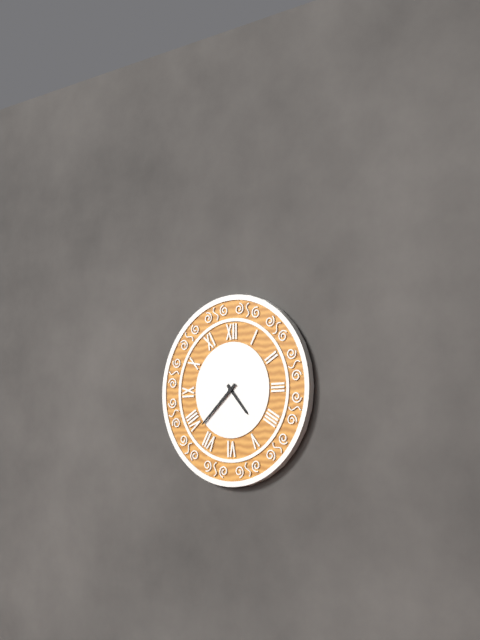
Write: 4h38
